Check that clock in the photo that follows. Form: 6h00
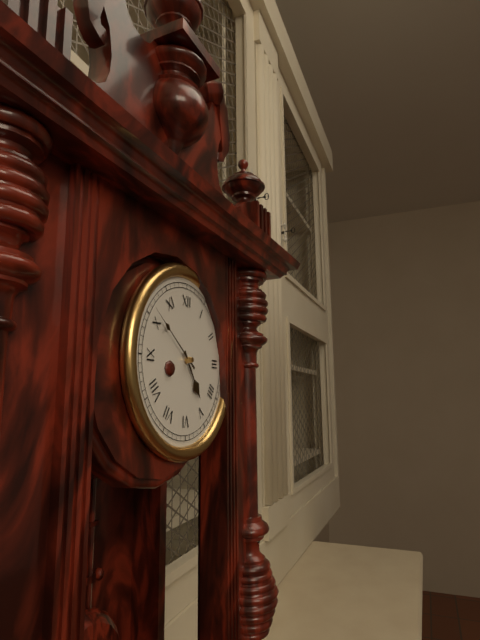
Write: 4h51
